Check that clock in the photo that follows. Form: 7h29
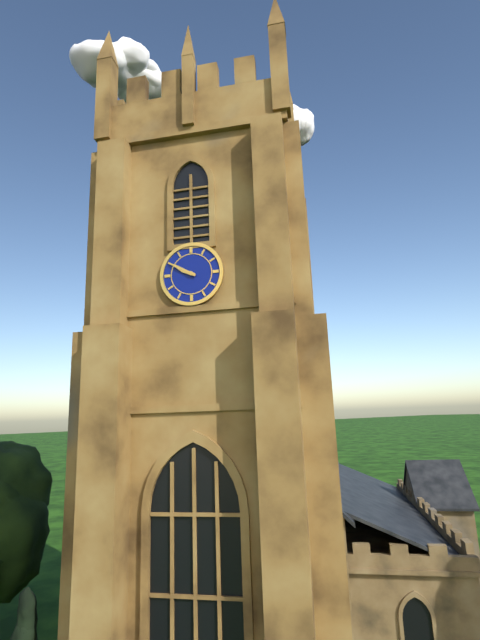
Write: 9h50
